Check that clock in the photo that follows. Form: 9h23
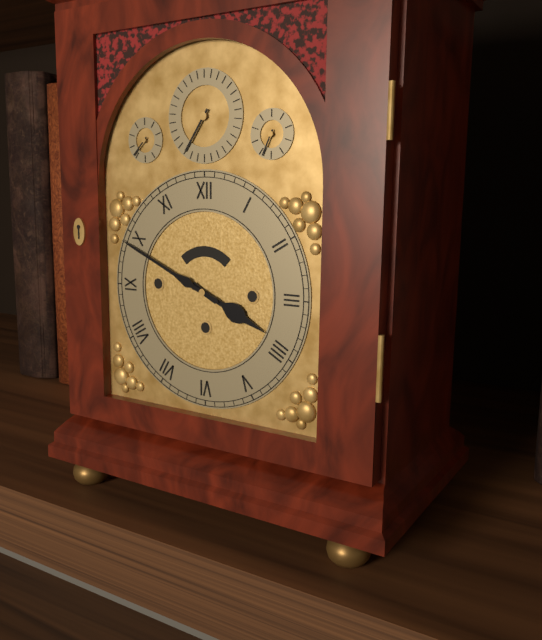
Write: 3h49
